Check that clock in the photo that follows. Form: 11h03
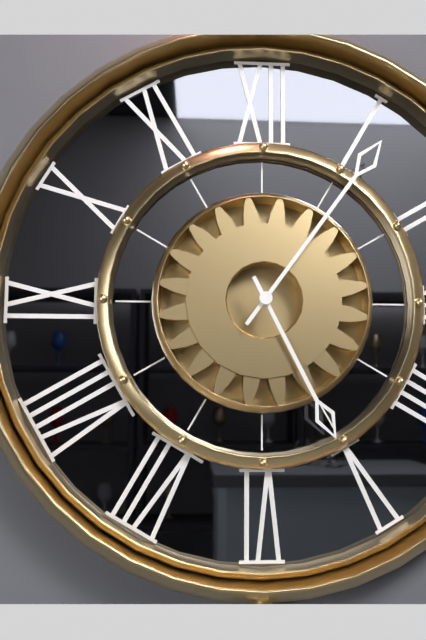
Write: 5h06
